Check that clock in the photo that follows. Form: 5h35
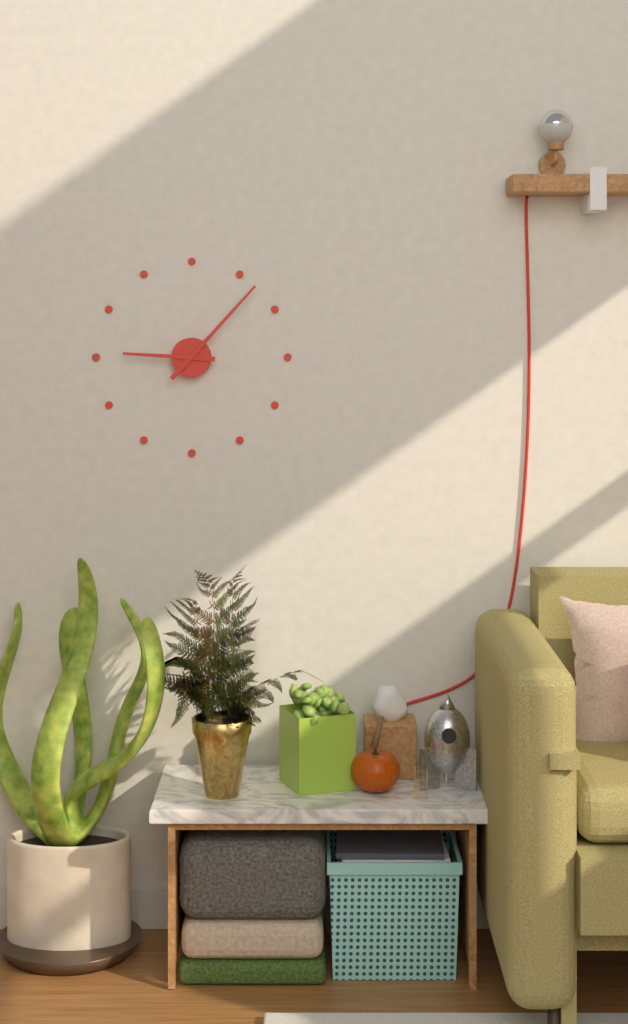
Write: 9h07
